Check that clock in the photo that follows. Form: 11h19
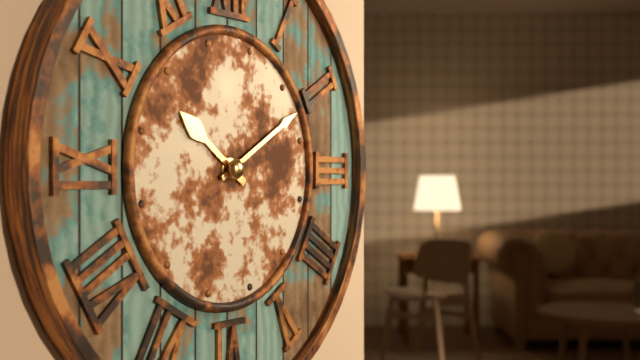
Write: 10h10
